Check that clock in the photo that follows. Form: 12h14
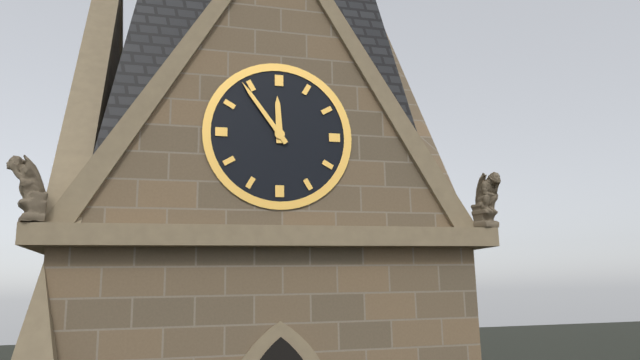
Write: 11h54
